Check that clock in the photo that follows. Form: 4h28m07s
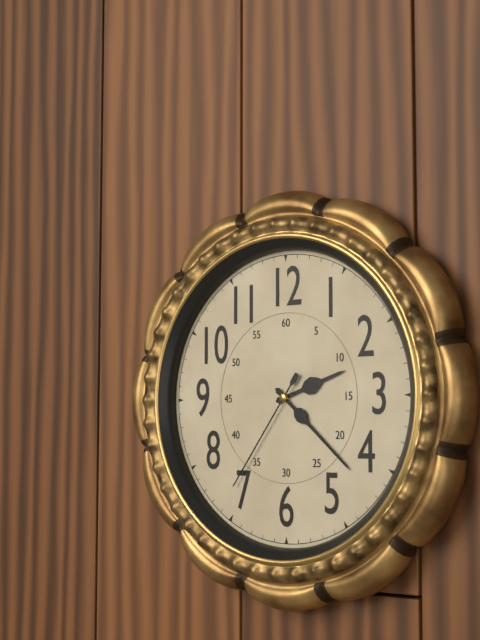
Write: 2h22m36s
